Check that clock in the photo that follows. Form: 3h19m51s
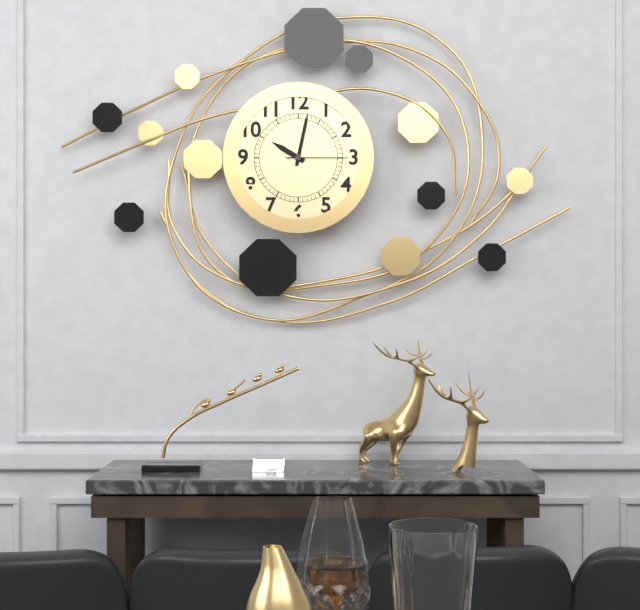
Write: 10h02m15s
